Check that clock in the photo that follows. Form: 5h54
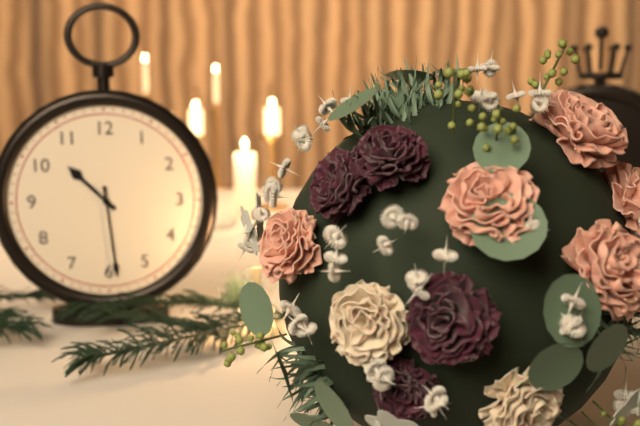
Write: 10h29
